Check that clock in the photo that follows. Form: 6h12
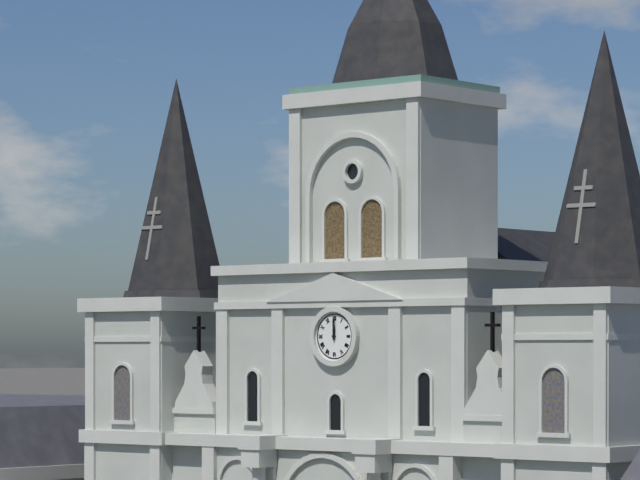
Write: 12h00
